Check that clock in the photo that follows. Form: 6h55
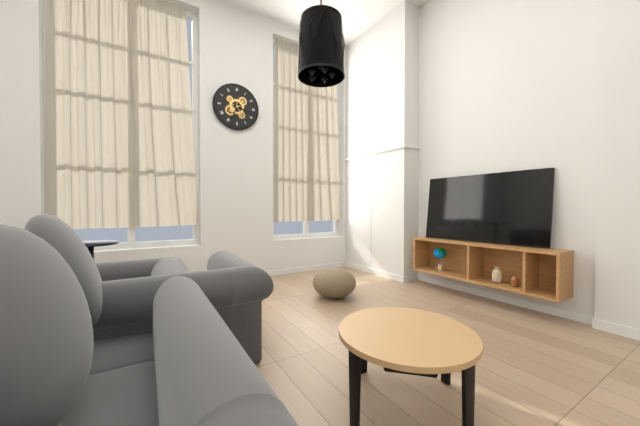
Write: 3h34
